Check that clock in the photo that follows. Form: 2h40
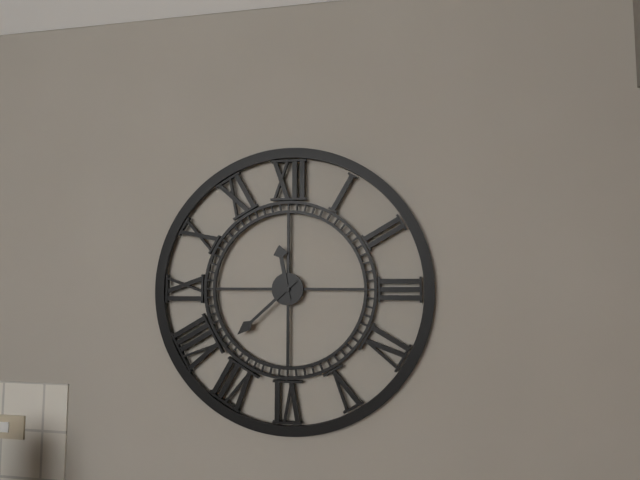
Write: 11h38
